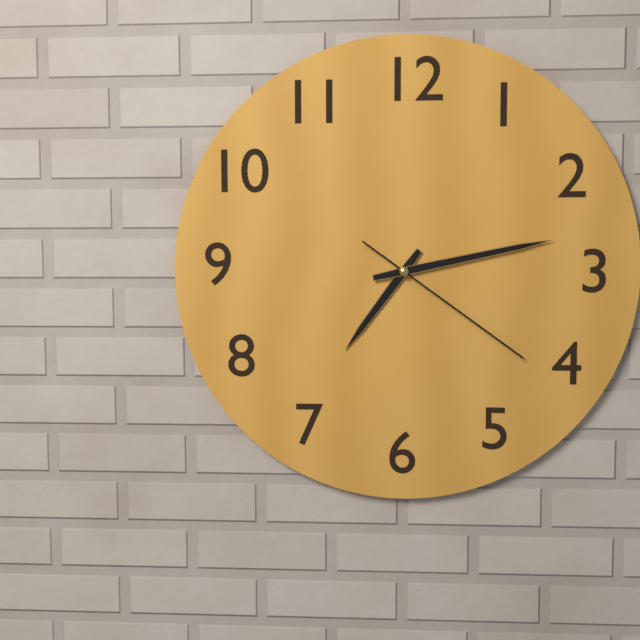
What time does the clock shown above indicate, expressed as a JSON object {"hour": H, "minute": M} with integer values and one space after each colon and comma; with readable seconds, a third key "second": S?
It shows {"hour": 7, "minute": 13, "second": 21}
